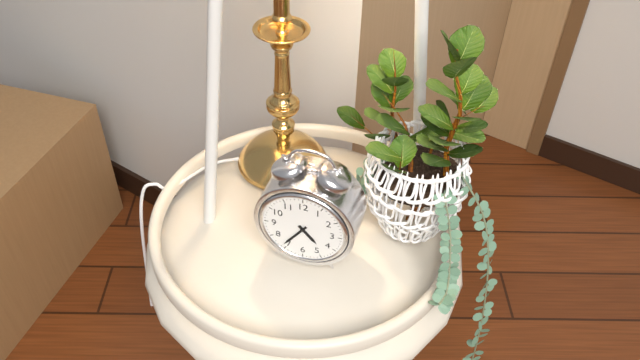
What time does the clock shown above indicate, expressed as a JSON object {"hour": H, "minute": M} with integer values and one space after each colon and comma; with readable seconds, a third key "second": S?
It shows {"hour": 4, "minute": 36}
